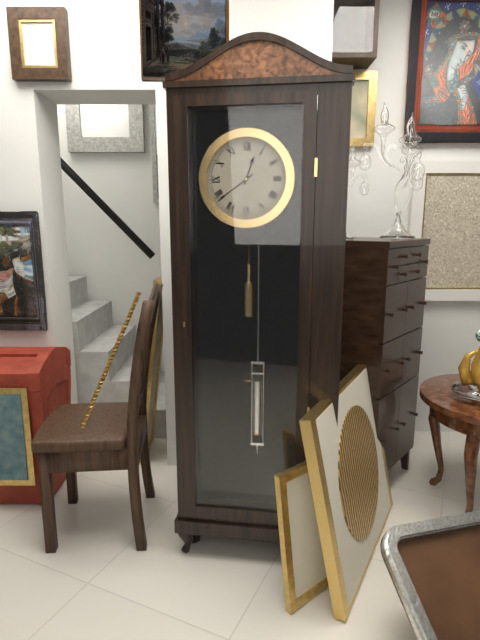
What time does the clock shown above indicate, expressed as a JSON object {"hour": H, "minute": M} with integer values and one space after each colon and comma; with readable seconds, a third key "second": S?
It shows {"hour": 12, "minute": 39}
